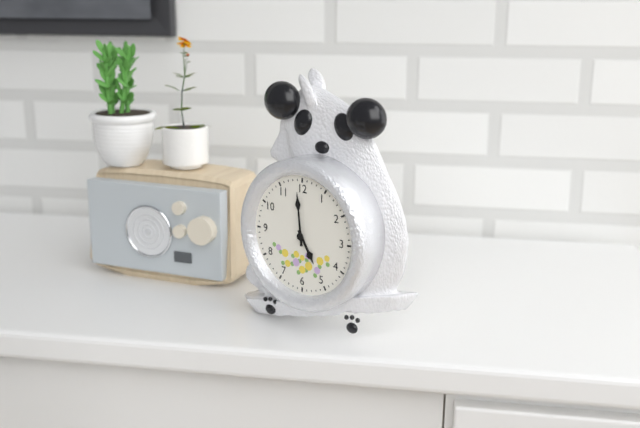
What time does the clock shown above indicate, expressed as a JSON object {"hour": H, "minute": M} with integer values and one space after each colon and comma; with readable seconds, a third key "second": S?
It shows {"hour": 4, "minute": 59}
